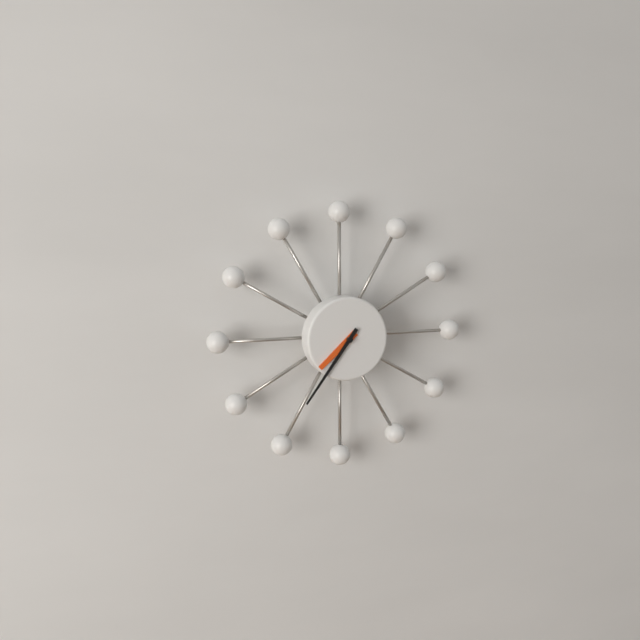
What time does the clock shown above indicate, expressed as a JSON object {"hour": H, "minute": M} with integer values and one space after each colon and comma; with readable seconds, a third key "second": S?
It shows {"hour": 7, "minute": 36}
